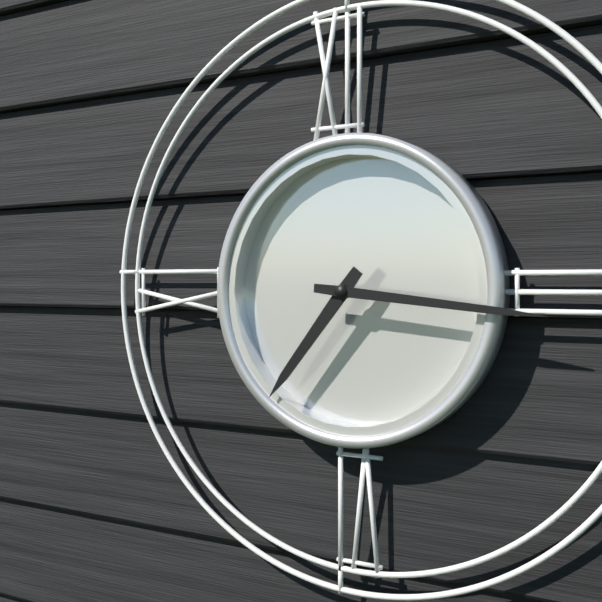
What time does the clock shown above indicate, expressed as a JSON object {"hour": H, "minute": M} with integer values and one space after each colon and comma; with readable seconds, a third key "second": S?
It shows {"hour": 7, "minute": 16}
